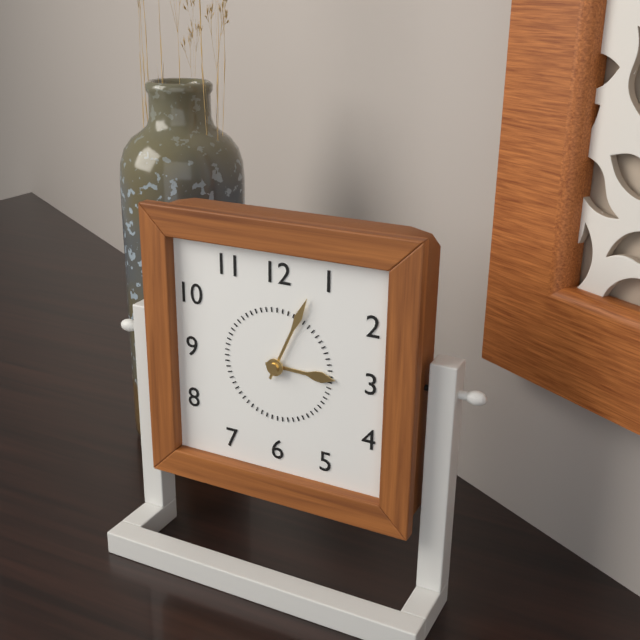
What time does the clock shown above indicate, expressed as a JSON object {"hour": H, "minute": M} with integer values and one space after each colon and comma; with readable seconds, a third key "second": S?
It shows {"hour": 3, "minute": 4}
